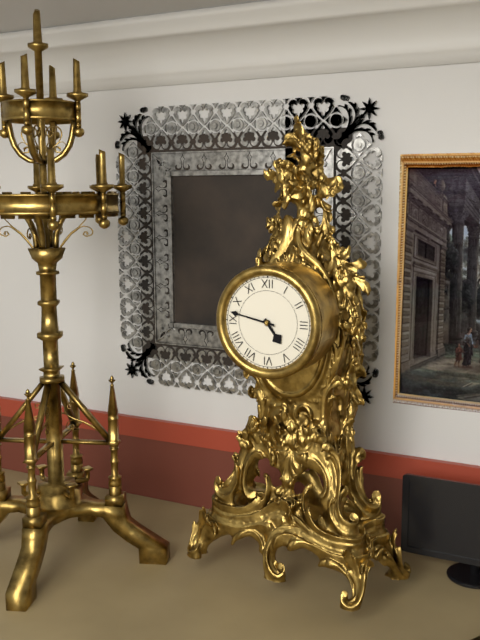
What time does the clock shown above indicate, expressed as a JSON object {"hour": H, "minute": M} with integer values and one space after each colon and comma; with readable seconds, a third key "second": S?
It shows {"hour": 4, "minute": 47}
